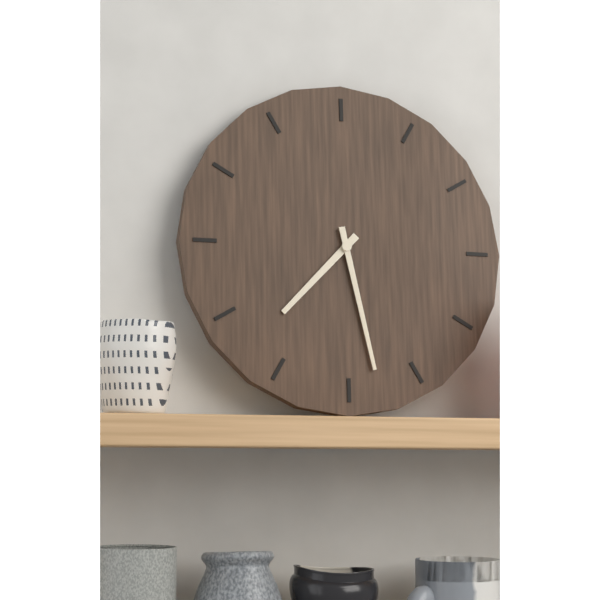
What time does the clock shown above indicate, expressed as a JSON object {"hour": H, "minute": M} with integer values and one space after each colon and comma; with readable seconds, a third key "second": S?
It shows {"hour": 7, "minute": 28}
